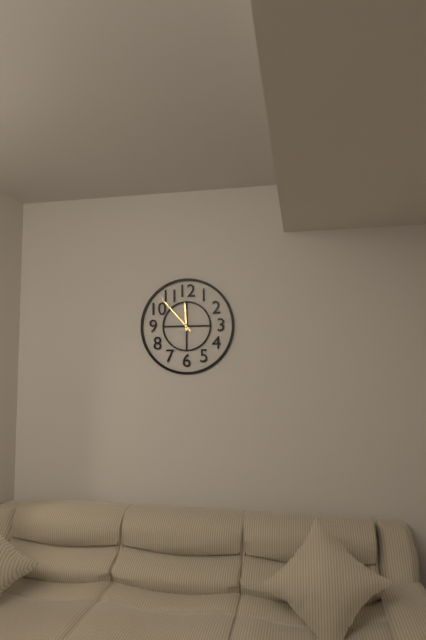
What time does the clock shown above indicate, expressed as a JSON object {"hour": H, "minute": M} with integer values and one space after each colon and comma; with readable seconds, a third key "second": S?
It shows {"hour": 11, "minute": 53}
